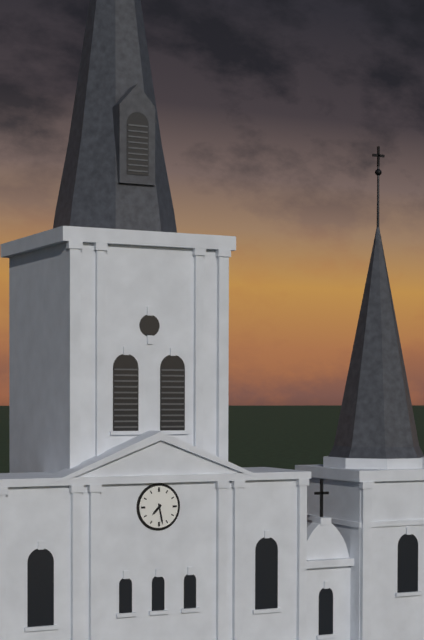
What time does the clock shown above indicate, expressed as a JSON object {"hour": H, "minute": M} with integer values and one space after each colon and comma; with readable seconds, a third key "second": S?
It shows {"hour": 7, "minute": 28}
